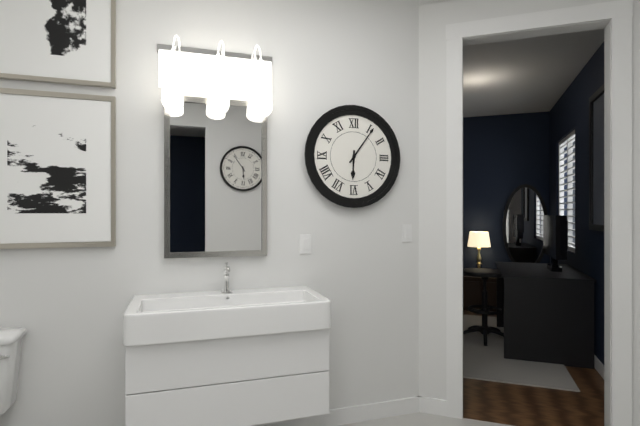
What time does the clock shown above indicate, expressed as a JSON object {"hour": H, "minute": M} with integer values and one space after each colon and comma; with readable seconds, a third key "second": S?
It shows {"hour": 6, "minute": 6}
